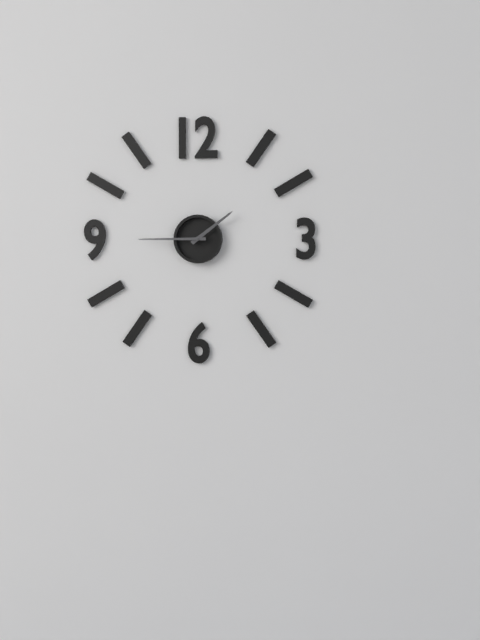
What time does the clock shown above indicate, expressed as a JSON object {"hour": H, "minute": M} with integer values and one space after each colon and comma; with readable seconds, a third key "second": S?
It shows {"hour": 1, "minute": 45}
